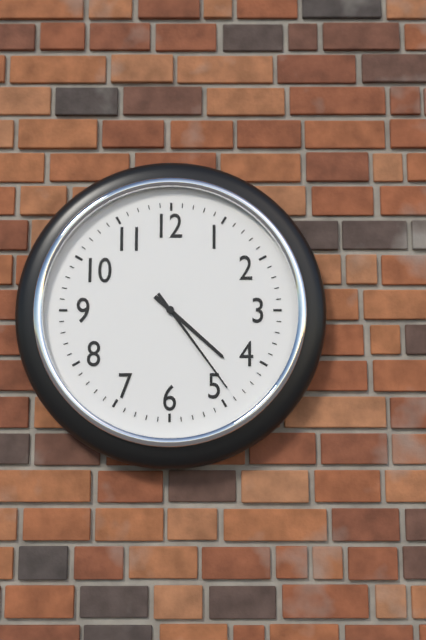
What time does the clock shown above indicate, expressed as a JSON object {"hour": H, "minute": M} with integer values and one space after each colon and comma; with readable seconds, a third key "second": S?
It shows {"hour": 4, "minute": 24}
